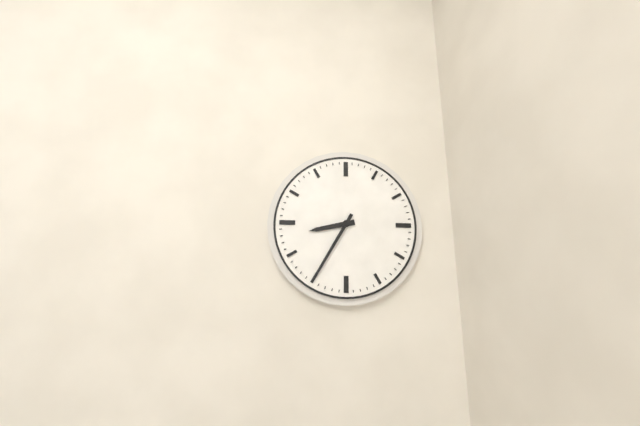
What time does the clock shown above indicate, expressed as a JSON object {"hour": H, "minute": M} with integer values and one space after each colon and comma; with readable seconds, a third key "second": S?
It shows {"hour": 8, "minute": 35}
